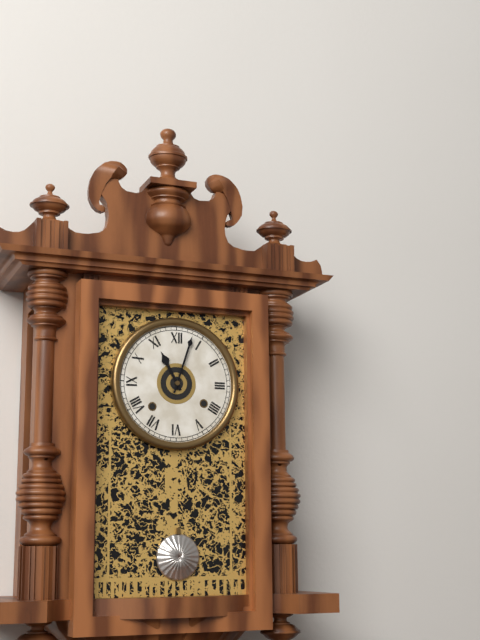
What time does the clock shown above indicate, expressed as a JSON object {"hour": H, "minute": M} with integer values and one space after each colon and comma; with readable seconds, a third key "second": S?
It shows {"hour": 11, "minute": 3}
